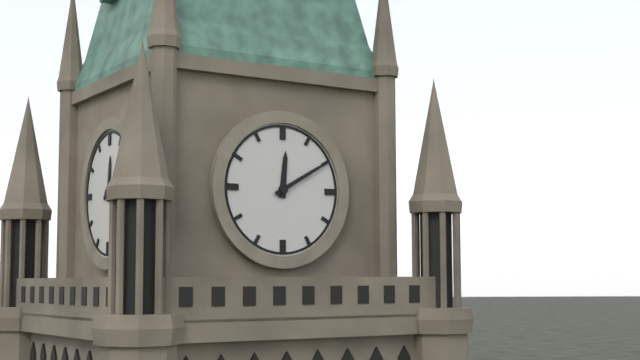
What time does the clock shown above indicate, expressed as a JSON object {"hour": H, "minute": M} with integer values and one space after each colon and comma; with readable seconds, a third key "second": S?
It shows {"hour": 12, "minute": 10}
